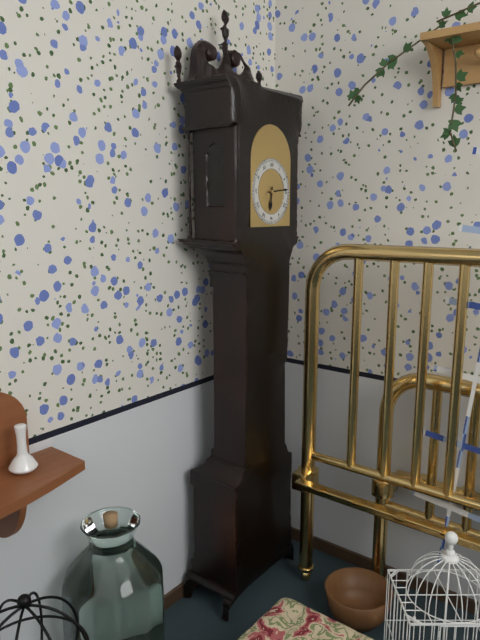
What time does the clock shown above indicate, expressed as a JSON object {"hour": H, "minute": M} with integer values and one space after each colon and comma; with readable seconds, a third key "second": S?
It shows {"hour": 6, "minute": 14}
